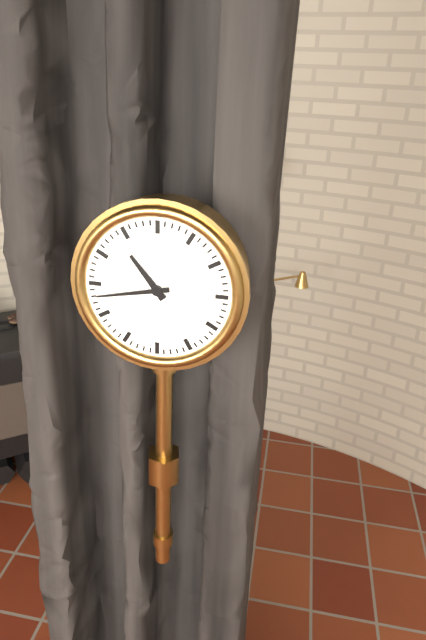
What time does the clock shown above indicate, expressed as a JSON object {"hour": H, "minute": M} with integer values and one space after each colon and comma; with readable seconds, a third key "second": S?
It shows {"hour": 10, "minute": 43}
